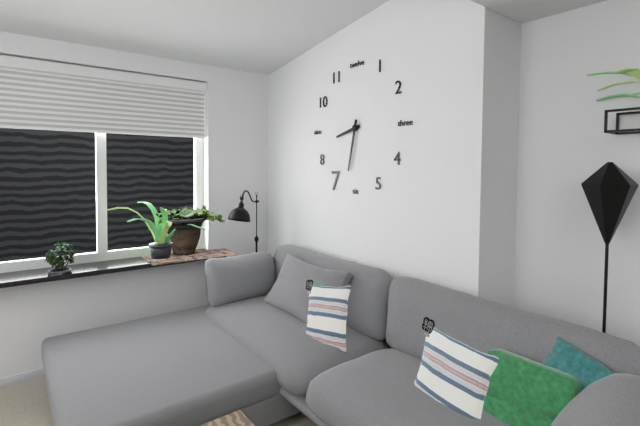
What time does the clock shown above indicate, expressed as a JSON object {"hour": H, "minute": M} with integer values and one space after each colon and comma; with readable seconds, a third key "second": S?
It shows {"hour": 8, "minute": 32}
